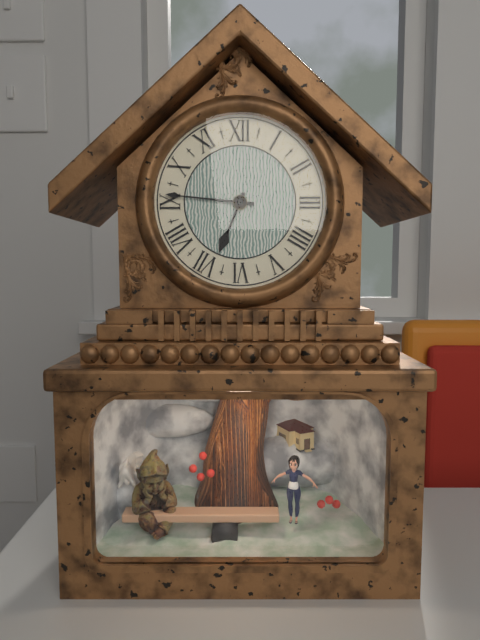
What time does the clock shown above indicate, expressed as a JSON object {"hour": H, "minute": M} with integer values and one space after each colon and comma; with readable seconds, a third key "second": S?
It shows {"hour": 6, "minute": 46}
